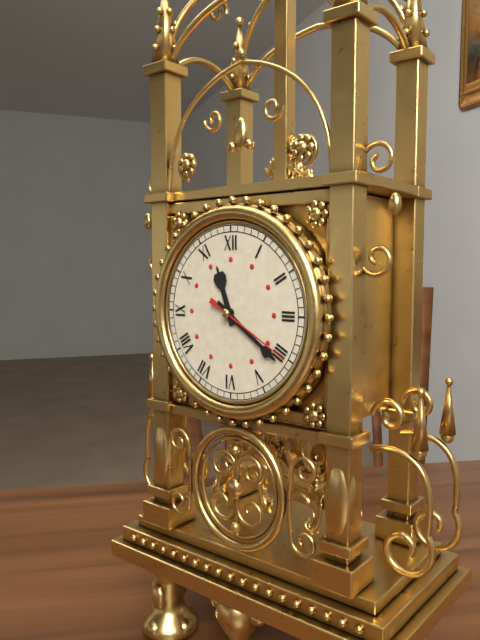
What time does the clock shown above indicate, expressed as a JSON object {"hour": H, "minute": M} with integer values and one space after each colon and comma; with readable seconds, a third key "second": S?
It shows {"hour": 11, "minute": 21, "second": 20}
